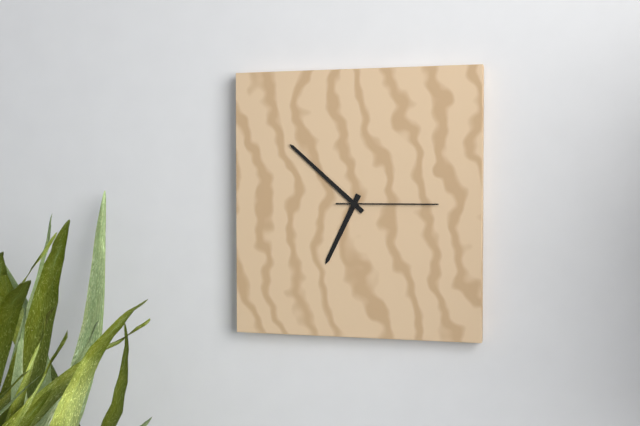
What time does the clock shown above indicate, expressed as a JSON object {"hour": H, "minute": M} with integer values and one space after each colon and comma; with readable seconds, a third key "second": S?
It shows {"hour": 6, "minute": 52, "second": 15}
